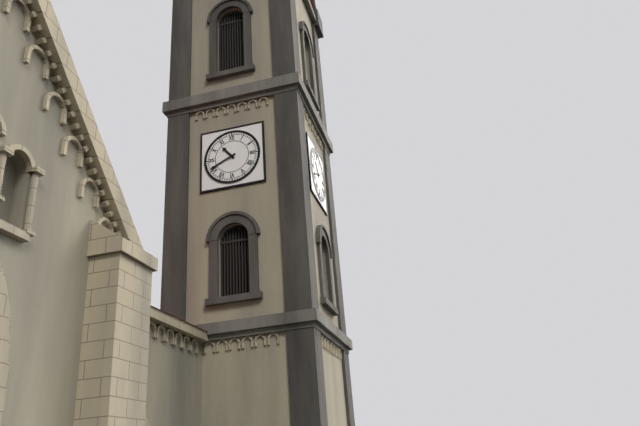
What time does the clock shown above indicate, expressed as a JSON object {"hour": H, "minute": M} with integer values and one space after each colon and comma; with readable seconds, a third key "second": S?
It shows {"hour": 10, "minute": 41}
